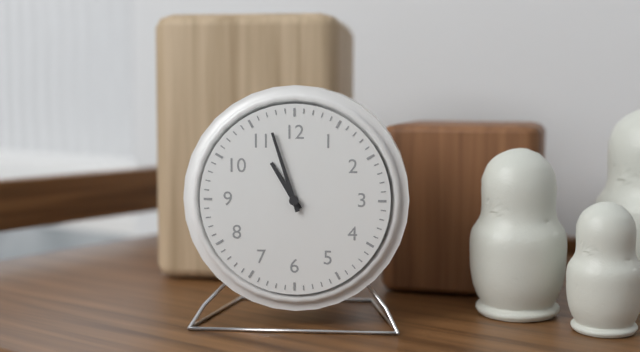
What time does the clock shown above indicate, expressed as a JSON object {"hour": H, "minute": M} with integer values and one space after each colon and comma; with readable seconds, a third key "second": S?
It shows {"hour": 10, "minute": 57}
